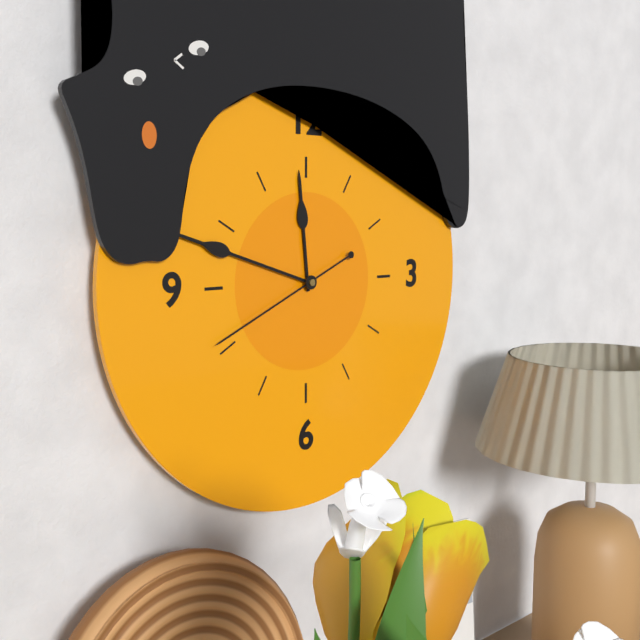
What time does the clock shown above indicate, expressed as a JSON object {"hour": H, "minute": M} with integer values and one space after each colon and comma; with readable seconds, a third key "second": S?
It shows {"hour": 11, "minute": 48, "second": 41}
